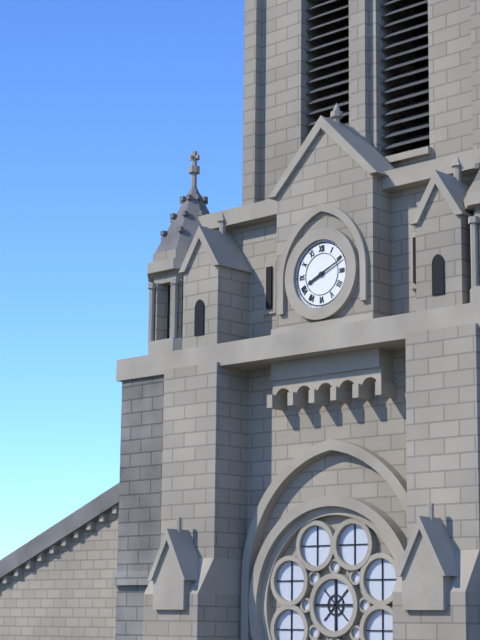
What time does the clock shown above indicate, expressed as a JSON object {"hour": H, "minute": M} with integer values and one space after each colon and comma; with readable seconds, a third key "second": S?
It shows {"hour": 8, "minute": 11}
